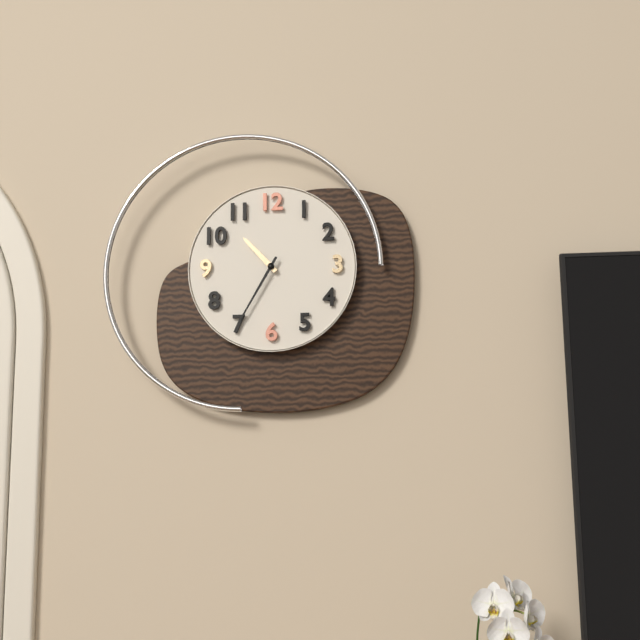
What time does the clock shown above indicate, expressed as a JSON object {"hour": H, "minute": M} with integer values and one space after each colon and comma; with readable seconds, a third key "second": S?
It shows {"hour": 10, "minute": 35}
